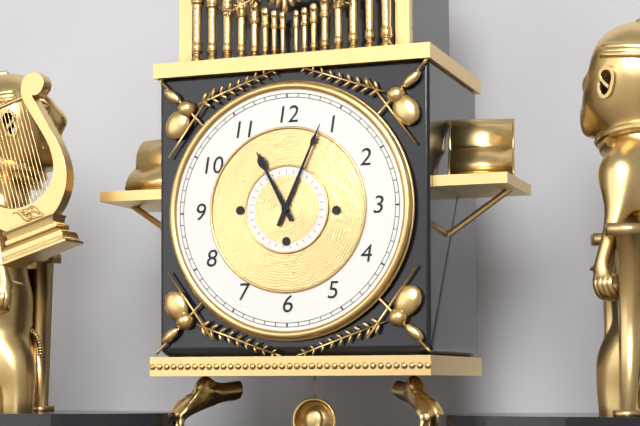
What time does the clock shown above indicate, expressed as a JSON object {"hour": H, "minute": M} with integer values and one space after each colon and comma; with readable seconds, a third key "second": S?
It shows {"hour": 11, "minute": 4}
